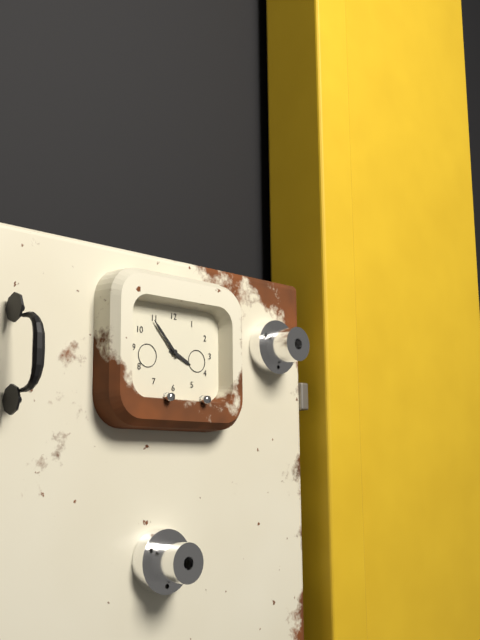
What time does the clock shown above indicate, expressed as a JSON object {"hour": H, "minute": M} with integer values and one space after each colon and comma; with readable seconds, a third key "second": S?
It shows {"hour": 3, "minute": 53}
